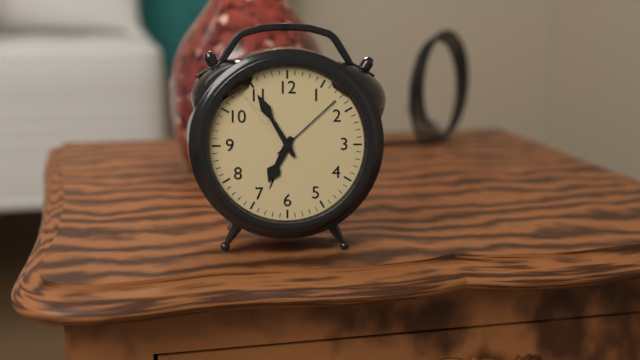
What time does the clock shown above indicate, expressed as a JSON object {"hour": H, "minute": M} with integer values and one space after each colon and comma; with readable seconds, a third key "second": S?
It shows {"hour": 6, "minute": 55}
